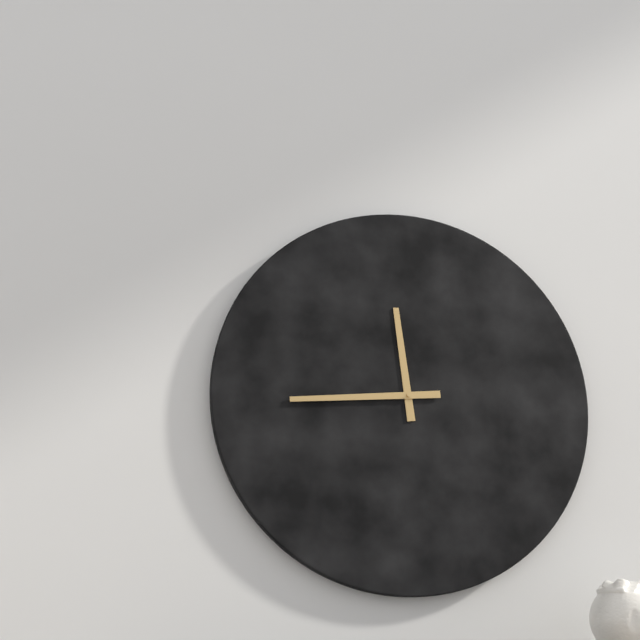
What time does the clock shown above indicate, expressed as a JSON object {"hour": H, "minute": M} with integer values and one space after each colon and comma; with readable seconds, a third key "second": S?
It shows {"hour": 11, "minute": 44}
